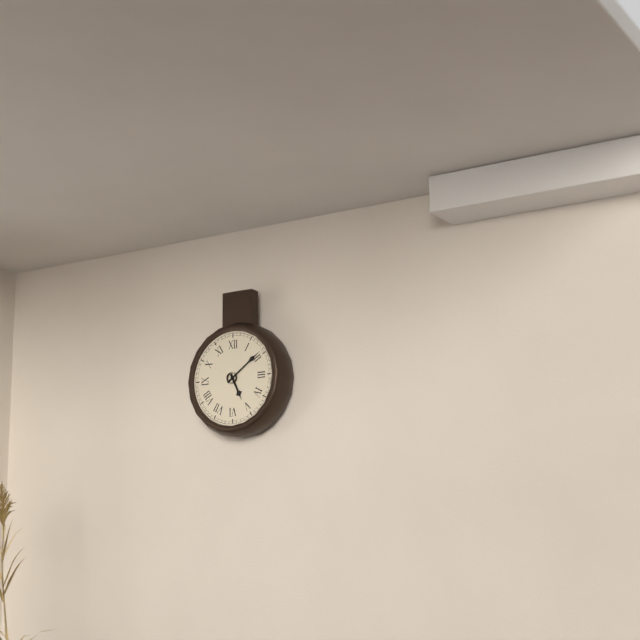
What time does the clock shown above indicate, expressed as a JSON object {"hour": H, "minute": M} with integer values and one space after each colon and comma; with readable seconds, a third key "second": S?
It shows {"hour": 5, "minute": 9}
